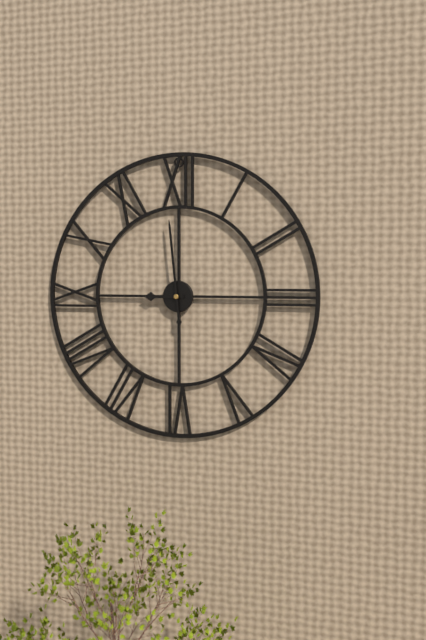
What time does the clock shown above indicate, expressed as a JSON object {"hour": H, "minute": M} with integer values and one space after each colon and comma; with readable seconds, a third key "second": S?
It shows {"hour": 8, "minute": 59}
